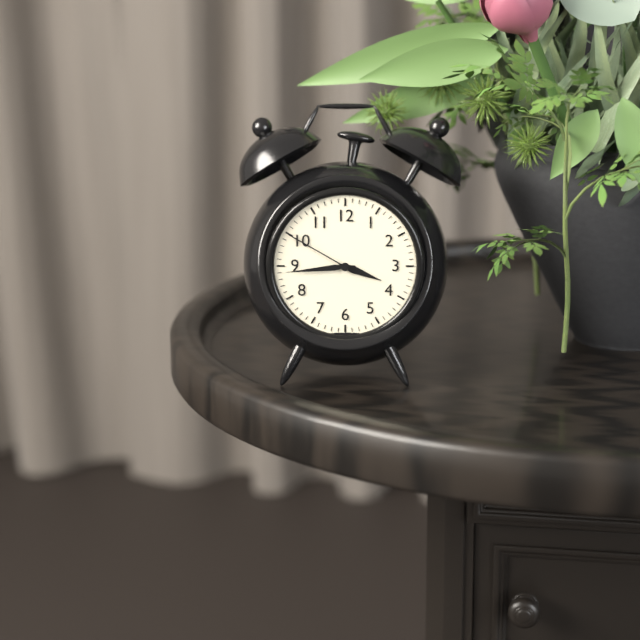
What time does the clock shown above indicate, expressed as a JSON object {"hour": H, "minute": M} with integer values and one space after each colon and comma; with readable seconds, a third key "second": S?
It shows {"hour": 3, "minute": 44, "second": 50}
